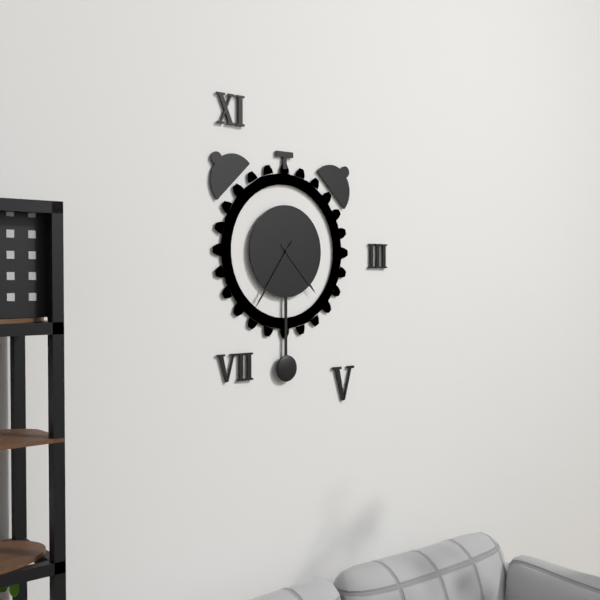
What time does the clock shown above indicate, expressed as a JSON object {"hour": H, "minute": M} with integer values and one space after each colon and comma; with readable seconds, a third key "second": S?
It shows {"hour": 4, "minute": 36}
